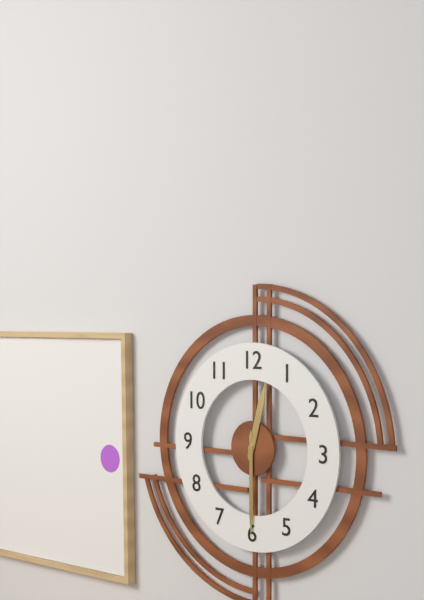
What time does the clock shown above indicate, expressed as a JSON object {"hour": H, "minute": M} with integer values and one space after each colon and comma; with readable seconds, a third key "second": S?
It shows {"hour": 12, "minute": 30}
